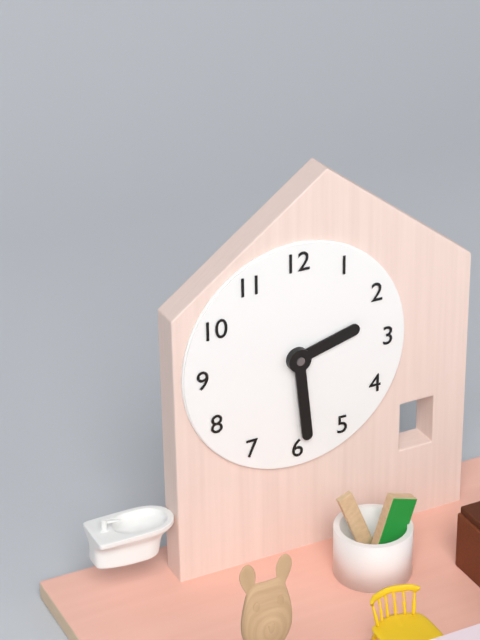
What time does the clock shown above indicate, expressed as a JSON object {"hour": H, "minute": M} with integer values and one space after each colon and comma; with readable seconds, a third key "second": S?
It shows {"hour": 2, "minute": 29}
